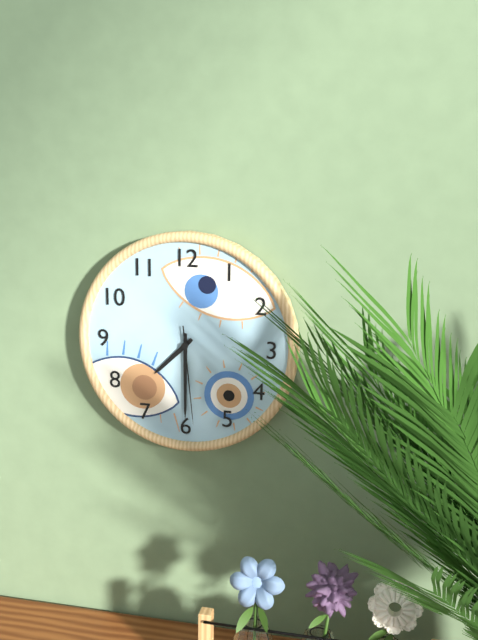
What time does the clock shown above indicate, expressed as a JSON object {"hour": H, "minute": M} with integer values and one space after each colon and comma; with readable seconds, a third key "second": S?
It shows {"hour": 7, "minute": 30, "second": 29}
